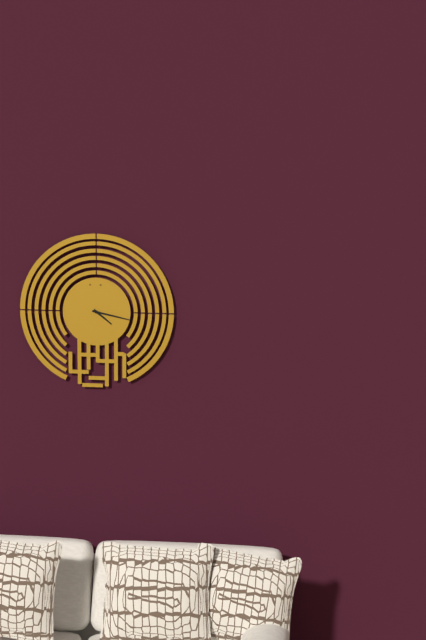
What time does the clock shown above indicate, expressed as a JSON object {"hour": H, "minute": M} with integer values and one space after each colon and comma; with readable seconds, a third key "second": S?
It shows {"hour": 4, "minute": 17}
